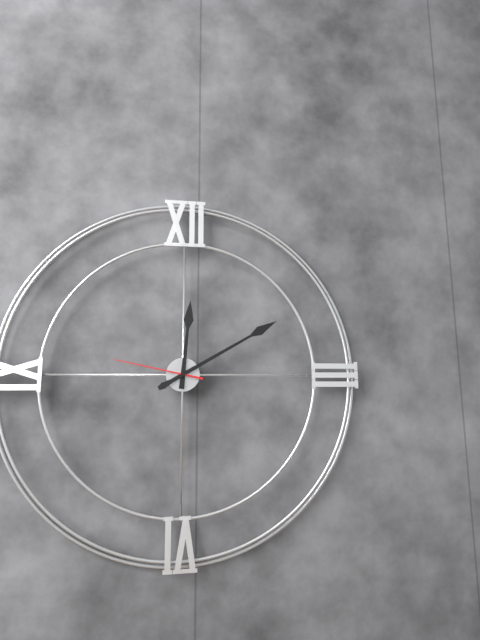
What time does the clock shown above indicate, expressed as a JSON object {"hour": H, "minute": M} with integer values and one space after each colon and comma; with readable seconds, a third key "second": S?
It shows {"hour": 12, "minute": 10, "second": 47}
